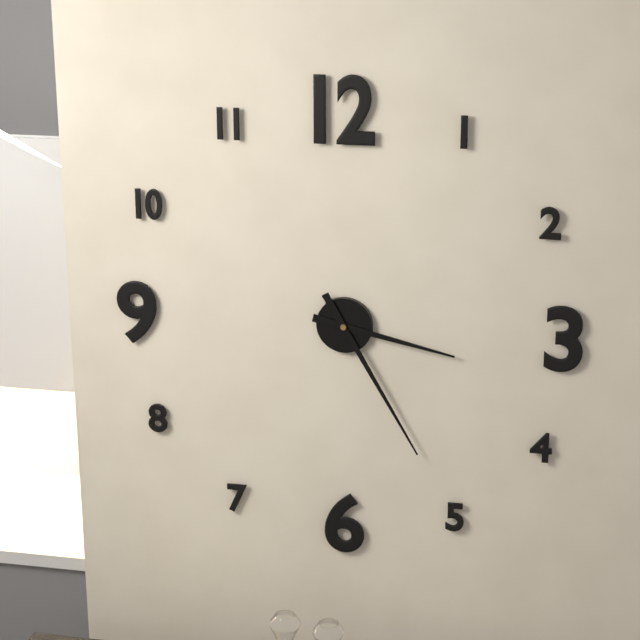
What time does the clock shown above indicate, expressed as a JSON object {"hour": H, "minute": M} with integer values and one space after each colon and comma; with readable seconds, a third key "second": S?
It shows {"hour": 3, "minute": 25}
